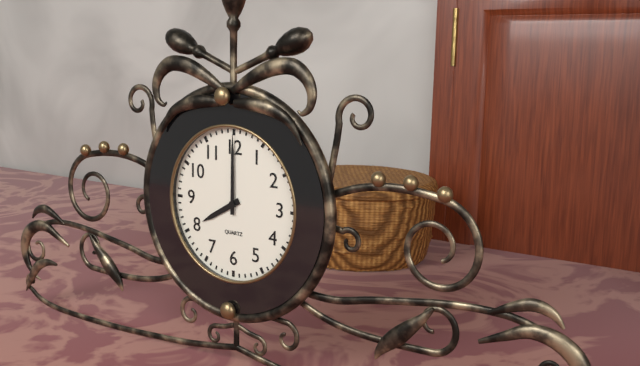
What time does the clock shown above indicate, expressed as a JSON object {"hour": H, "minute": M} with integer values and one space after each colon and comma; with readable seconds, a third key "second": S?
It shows {"hour": 8, "minute": 0}
